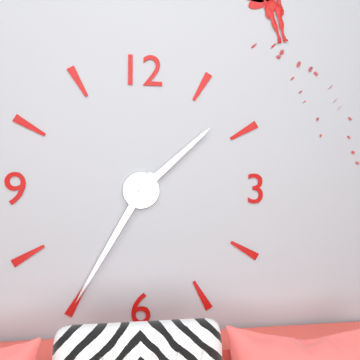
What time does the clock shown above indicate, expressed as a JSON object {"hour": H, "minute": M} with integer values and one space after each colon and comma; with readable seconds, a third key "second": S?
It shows {"hour": 1, "minute": 35}
